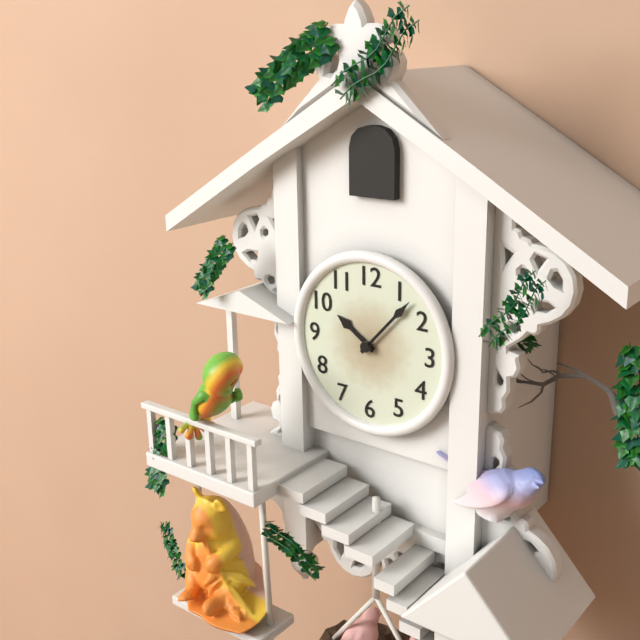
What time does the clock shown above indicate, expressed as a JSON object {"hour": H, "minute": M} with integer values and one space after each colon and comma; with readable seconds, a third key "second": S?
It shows {"hour": 10, "minute": 7}
